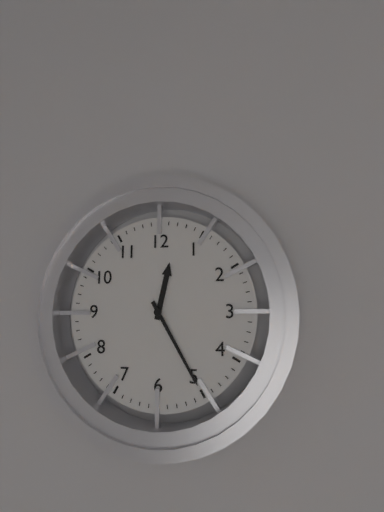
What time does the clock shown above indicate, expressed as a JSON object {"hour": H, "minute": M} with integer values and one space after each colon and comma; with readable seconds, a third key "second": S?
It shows {"hour": 12, "minute": 25}
